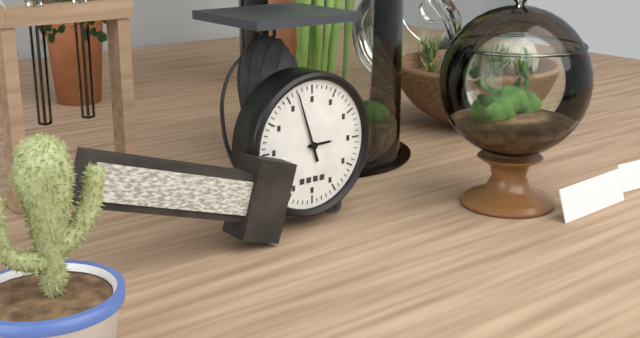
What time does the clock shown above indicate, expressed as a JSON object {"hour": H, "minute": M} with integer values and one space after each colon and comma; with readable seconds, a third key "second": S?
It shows {"hour": 2, "minute": 57}
